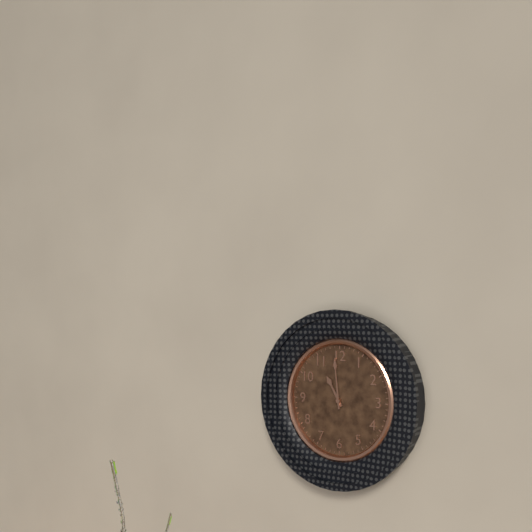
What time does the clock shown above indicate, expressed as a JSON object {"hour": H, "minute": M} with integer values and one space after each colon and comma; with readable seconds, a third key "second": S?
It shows {"hour": 10, "minute": 59}
